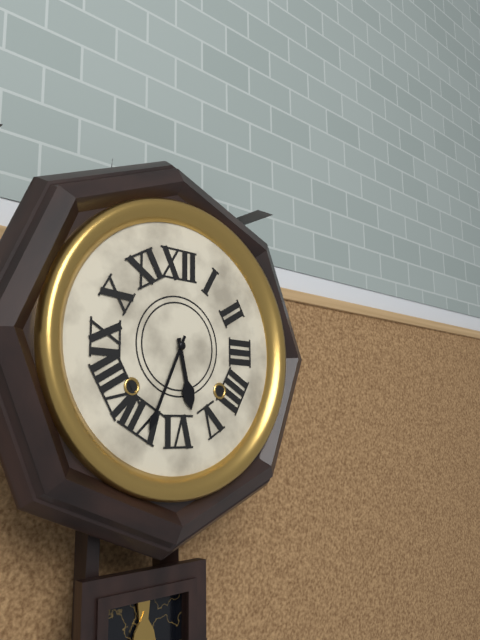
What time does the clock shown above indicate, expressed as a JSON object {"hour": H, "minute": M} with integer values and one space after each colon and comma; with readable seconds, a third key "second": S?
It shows {"hour": 5, "minute": 34}
